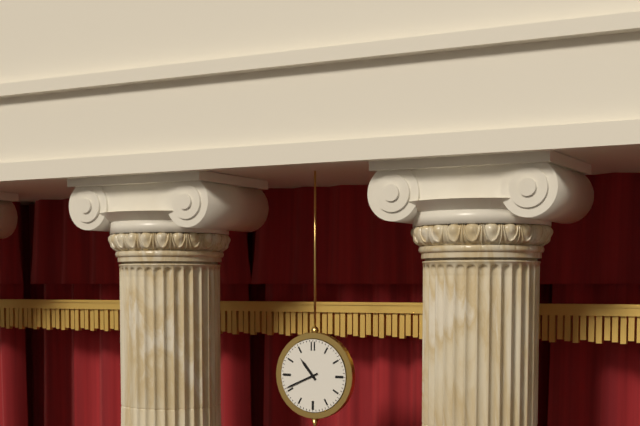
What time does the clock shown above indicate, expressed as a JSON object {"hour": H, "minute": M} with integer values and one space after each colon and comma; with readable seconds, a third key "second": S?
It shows {"hour": 10, "minute": 41}
